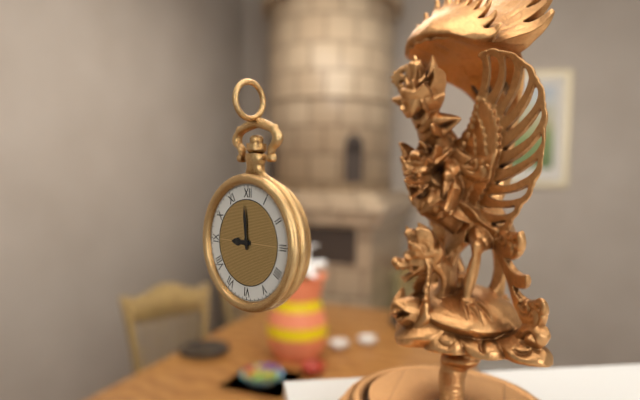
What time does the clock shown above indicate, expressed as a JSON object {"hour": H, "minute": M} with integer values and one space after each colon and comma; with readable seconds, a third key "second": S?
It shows {"hour": 8, "minute": 59}
